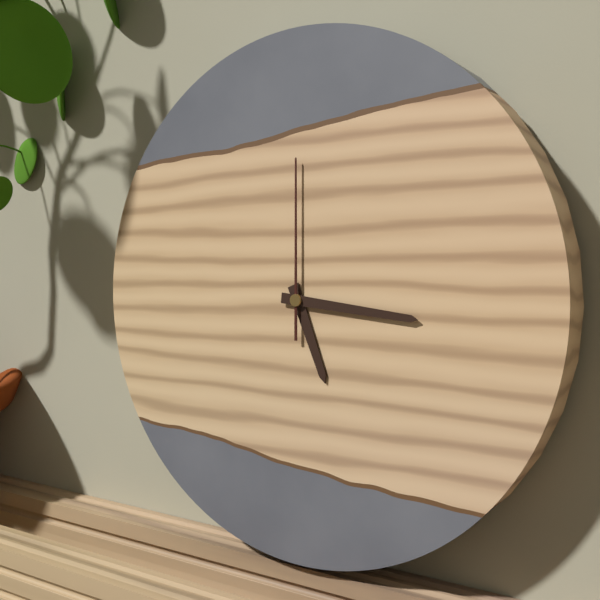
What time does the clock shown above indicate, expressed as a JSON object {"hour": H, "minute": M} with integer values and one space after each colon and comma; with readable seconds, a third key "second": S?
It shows {"hour": 5, "minute": 16, "second": 0}
